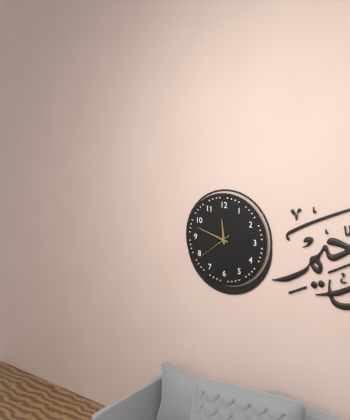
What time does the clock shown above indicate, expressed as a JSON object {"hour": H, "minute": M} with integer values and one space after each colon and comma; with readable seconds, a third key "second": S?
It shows {"hour": 11, "minute": 48}
